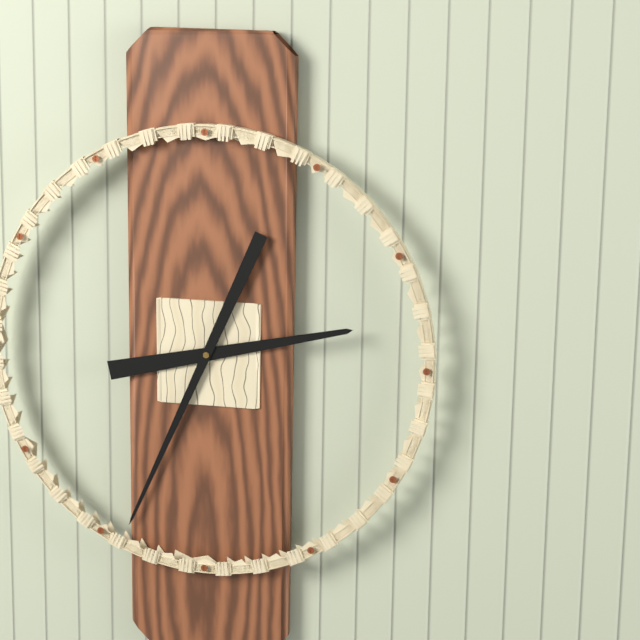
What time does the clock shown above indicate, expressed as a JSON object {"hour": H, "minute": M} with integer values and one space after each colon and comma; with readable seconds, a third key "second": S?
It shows {"hour": 2, "minute": 34}
